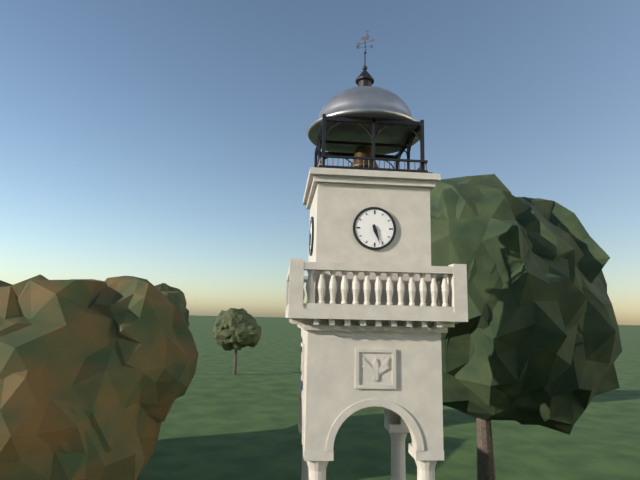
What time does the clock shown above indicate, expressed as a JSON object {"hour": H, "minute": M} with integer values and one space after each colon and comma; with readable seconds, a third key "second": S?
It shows {"hour": 5, "minute": 27}
